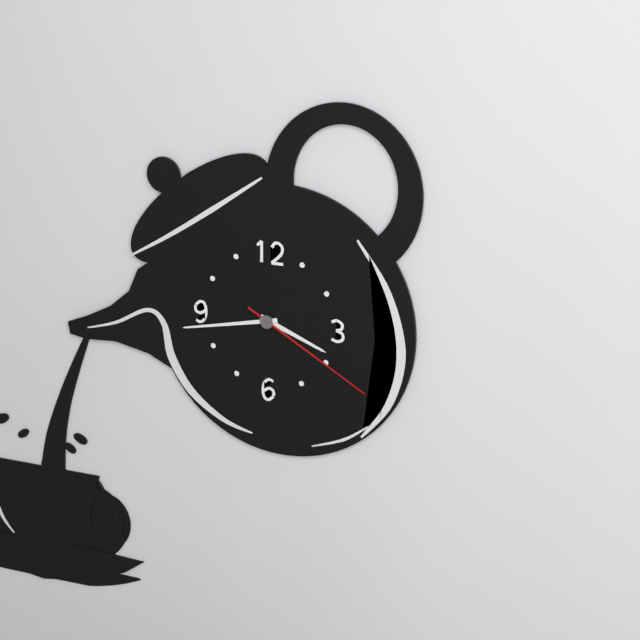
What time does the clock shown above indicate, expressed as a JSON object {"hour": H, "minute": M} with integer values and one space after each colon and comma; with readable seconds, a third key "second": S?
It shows {"hour": 3, "minute": 43, "second": 20}
